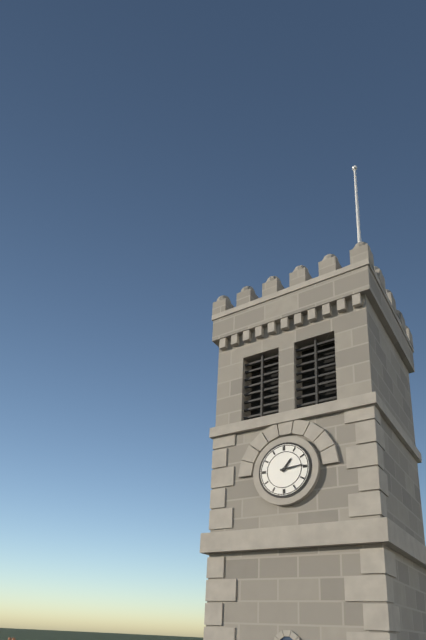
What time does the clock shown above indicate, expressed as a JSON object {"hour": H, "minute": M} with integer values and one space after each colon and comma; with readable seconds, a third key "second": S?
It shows {"hour": 1, "minute": 14}
